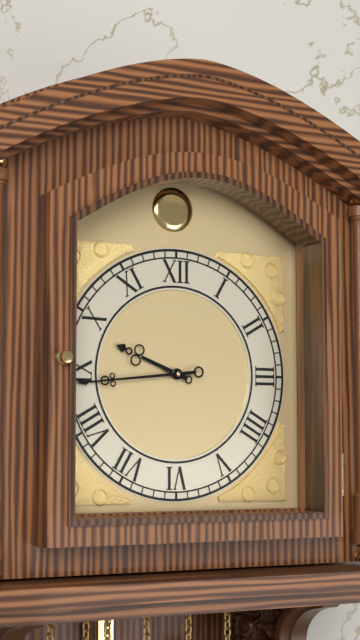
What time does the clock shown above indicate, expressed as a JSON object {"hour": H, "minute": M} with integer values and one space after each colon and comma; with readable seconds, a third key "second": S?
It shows {"hour": 9, "minute": 44}
